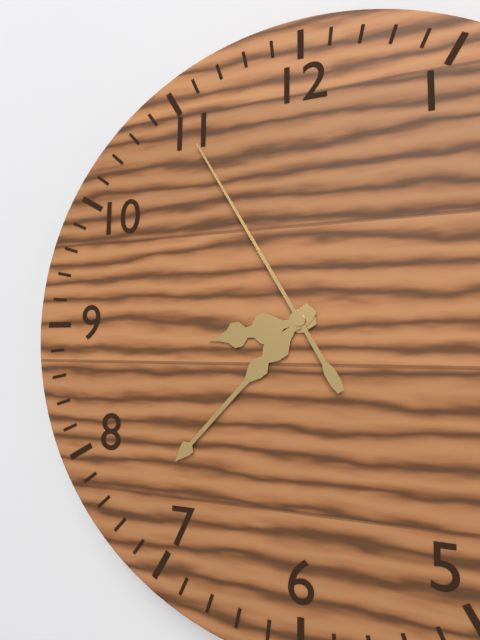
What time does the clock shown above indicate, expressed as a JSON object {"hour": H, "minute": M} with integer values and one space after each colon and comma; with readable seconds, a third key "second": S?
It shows {"hour": 8, "minute": 37, "second": 55}
